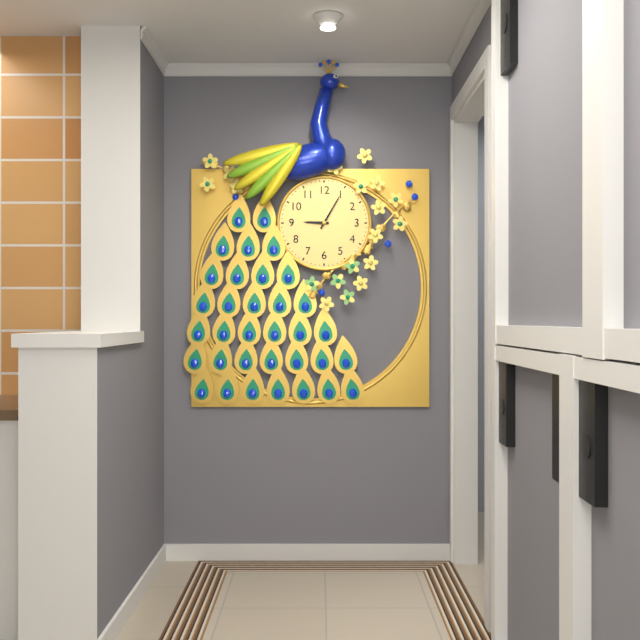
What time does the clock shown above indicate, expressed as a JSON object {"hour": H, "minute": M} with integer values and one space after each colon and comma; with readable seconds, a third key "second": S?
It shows {"hour": 9, "minute": 5}
